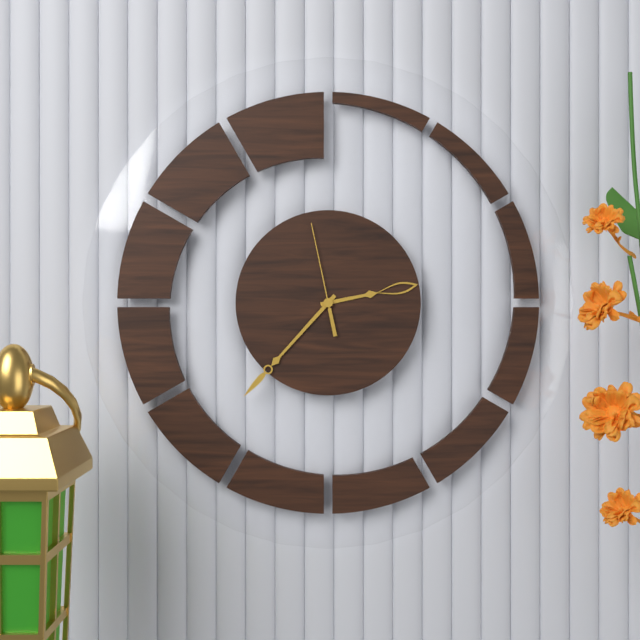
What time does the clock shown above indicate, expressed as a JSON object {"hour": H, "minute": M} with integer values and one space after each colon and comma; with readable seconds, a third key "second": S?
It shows {"hour": 2, "minute": 37, "second": 58}
